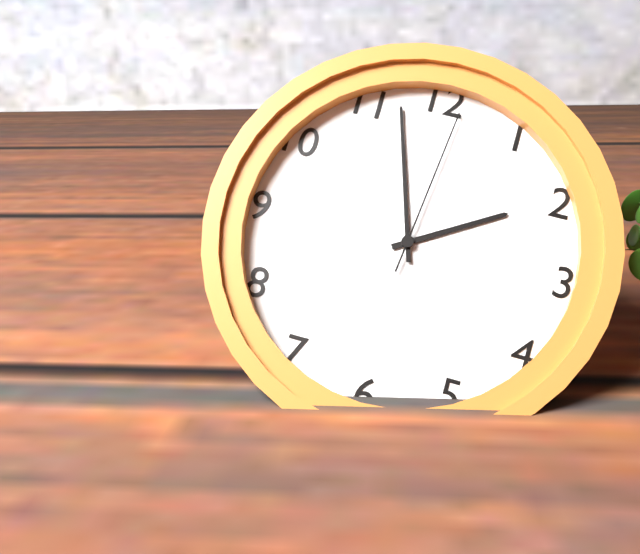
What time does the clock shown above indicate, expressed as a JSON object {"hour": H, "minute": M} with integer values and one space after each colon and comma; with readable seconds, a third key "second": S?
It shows {"hour": 1, "minute": 57, "second": 1}
